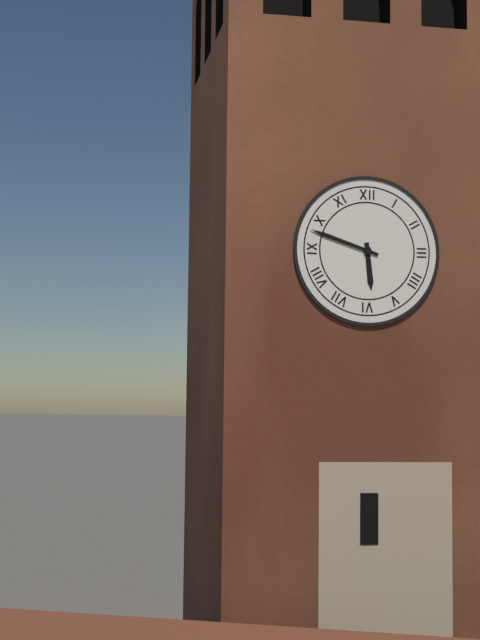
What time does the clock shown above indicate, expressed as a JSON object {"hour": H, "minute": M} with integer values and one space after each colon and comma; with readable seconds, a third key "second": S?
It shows {"hour": 5, "minute": 48}
